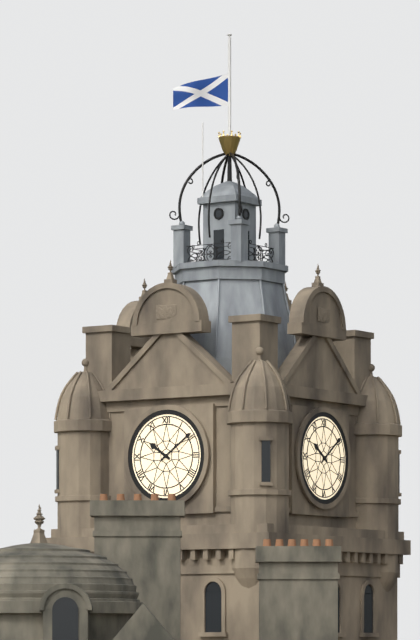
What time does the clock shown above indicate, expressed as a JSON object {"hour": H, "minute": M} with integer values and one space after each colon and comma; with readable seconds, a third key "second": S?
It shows {"hour": 10, "minute": 9}
